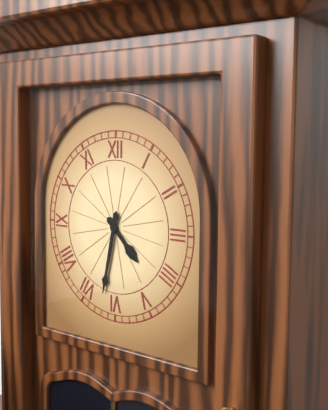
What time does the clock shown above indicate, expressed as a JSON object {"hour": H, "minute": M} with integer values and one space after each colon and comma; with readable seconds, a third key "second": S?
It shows {"hour": 4, "minute": 32}
